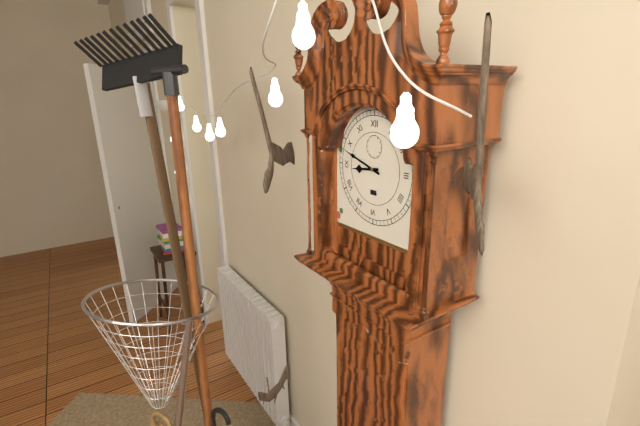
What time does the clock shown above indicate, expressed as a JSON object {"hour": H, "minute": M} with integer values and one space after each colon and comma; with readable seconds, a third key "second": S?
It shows {"hour": 8, "minute": 48}
